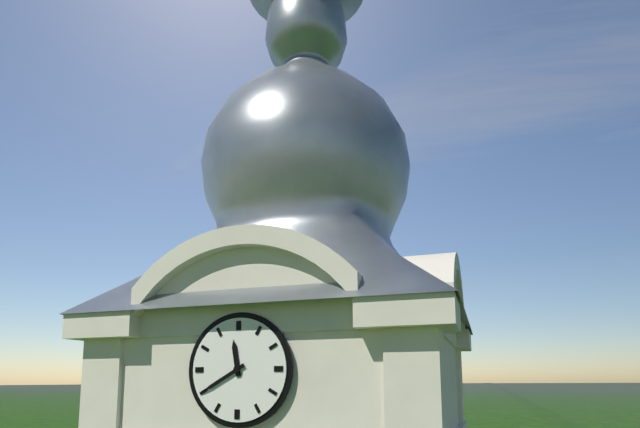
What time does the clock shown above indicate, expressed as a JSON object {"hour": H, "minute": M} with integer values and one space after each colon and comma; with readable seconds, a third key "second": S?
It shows {"hour": 11, "minute": 40}
